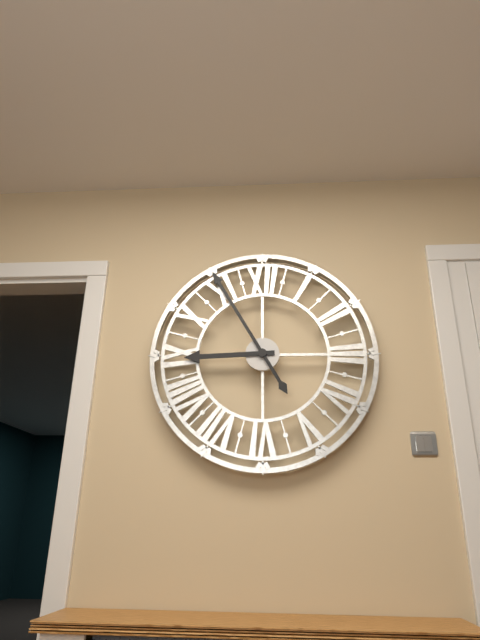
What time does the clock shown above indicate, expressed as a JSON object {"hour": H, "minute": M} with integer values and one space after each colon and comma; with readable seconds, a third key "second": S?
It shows {"hour": 8, "minute": 55}
